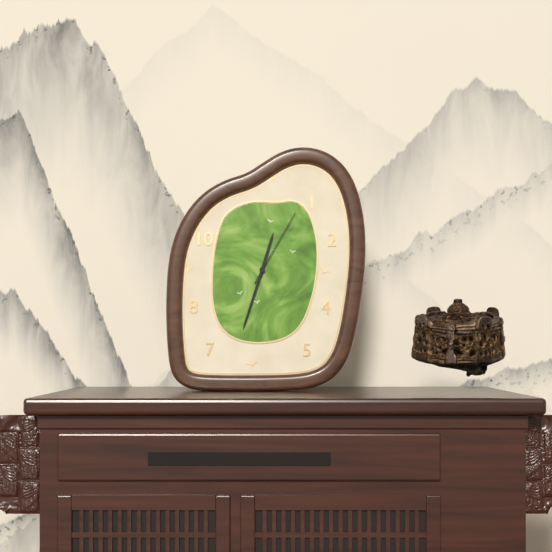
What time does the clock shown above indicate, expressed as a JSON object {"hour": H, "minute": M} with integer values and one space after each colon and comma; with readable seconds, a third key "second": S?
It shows {"hour": 12, "minute": 33, "second": 5}
